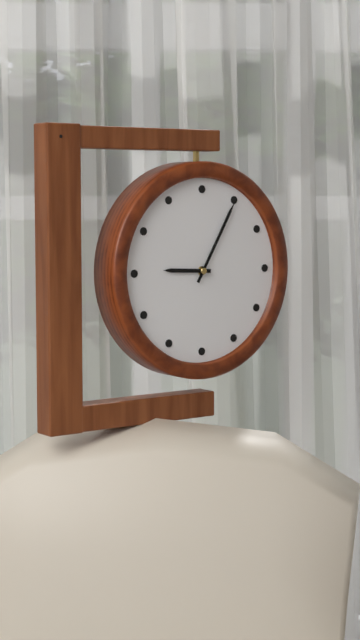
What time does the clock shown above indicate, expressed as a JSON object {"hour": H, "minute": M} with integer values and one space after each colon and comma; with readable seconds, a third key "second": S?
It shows {"hour": 9, "minute": 5}
